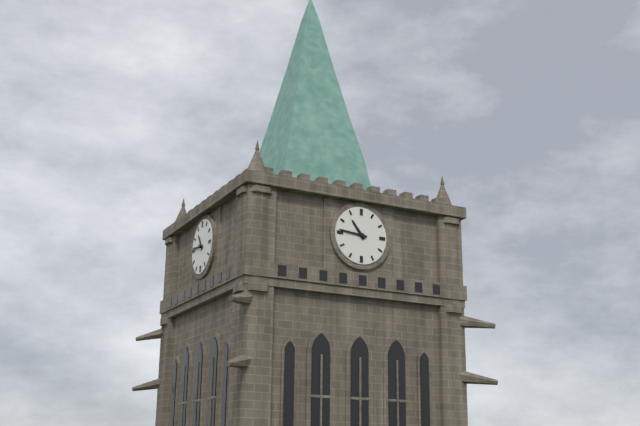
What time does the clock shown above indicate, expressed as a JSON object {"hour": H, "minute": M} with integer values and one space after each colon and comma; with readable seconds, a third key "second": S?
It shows {"hour": 10, "minute": 46}
